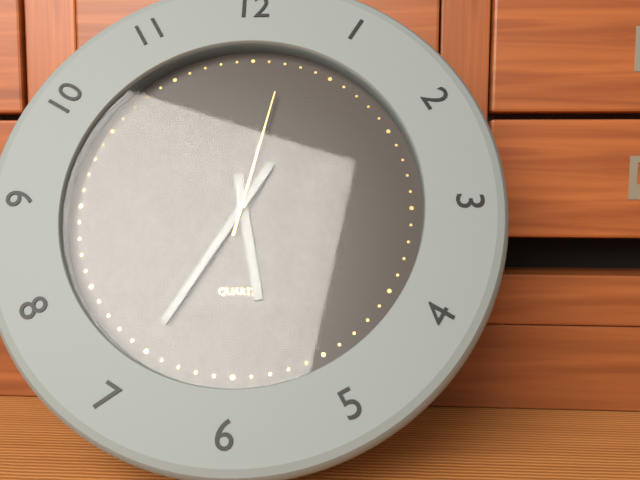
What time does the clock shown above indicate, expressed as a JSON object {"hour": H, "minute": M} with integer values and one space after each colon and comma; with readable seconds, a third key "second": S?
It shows {"hour": 5, "minute": 35, "second": 2}
